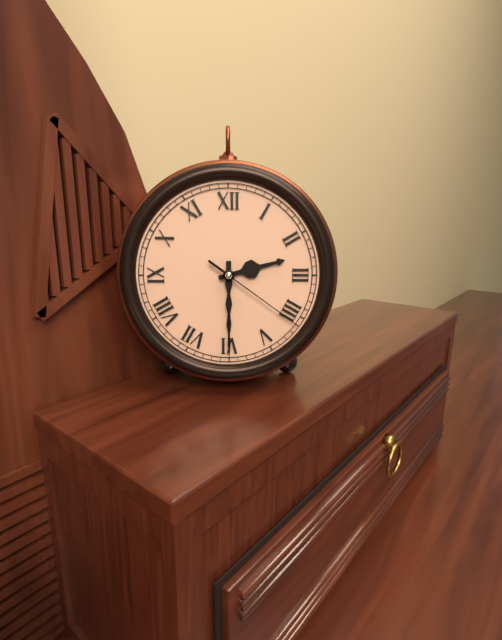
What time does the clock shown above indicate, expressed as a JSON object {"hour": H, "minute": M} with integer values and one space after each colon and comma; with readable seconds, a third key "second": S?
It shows {"hour": 2, "minute": 30, "second": 21}
